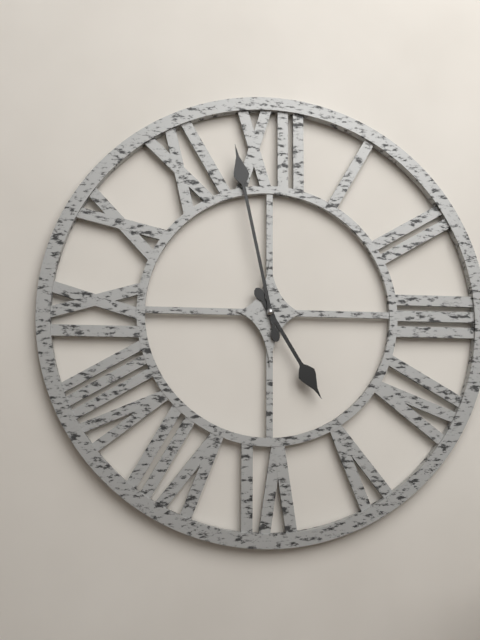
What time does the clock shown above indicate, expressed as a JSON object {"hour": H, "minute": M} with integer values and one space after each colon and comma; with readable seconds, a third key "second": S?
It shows {"hour": 4, "minute": 58}
